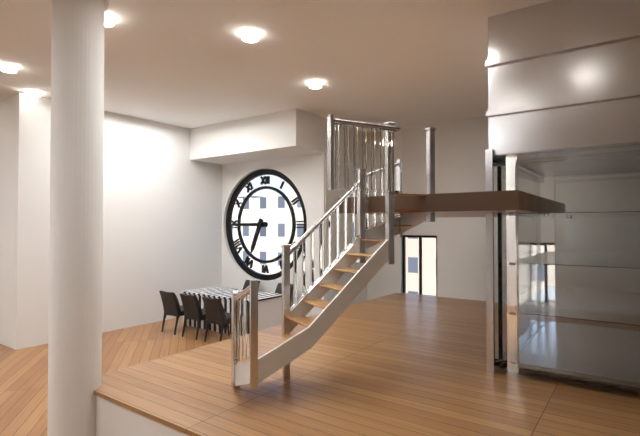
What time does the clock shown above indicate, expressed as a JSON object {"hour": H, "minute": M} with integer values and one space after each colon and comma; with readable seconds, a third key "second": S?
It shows {"hour": 6, "minute": 45}
